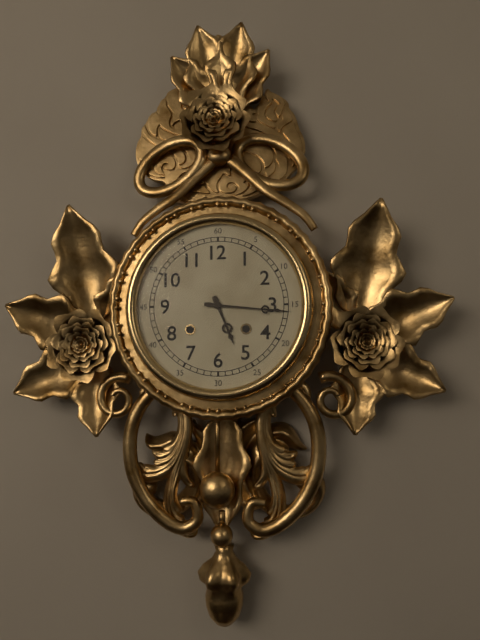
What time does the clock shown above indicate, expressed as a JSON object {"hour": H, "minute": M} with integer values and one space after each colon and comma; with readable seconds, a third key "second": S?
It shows {"hour": 5, "minute": 16}
